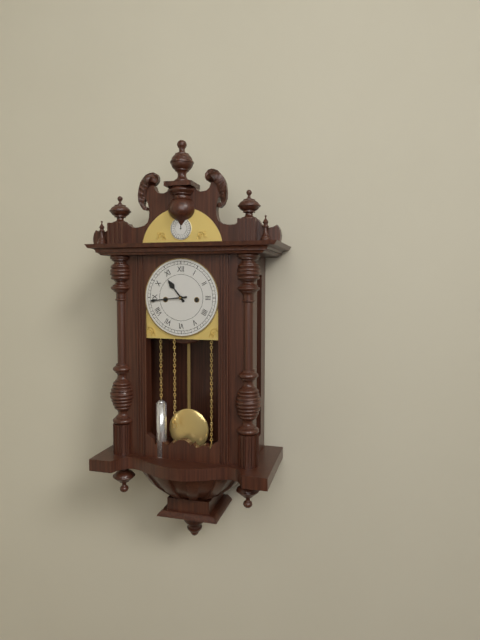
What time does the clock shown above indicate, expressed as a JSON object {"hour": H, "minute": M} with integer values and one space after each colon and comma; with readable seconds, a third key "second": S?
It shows {"hour": 10, "minute": 44}
